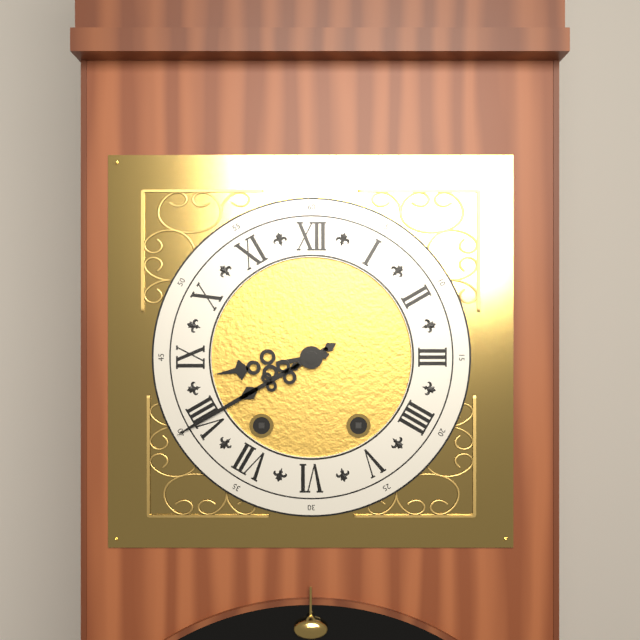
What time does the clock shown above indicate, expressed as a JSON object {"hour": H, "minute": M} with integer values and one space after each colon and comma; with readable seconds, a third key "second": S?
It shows {"hour": 8, "minute": 40}
